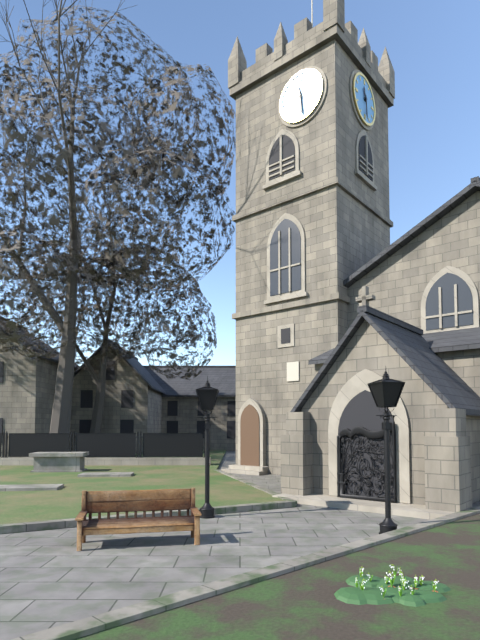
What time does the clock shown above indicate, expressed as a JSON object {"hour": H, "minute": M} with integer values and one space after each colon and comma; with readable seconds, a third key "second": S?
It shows {"hour": 11, "minute": 29}
